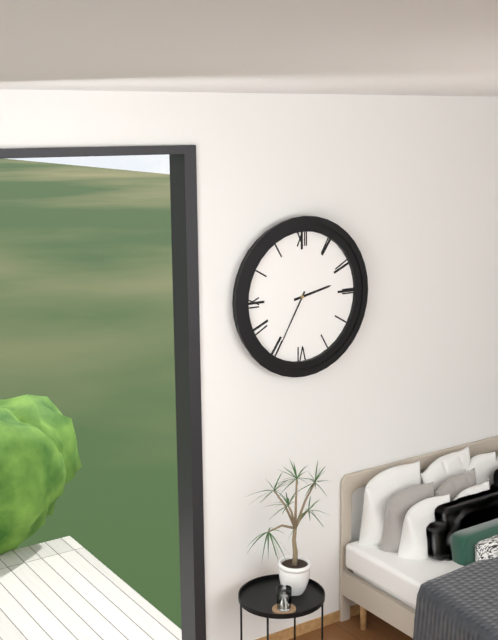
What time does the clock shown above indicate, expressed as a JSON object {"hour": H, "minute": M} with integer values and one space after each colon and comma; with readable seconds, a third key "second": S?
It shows {"hour": 2, "minute": 35}
